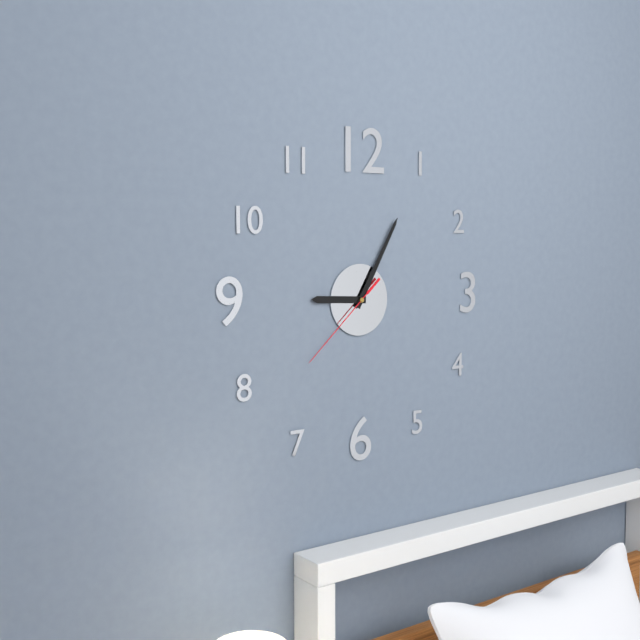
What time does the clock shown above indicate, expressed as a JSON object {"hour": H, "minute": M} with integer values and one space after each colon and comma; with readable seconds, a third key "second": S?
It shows {"hour": 9, "minute": 5, "second": 38}
